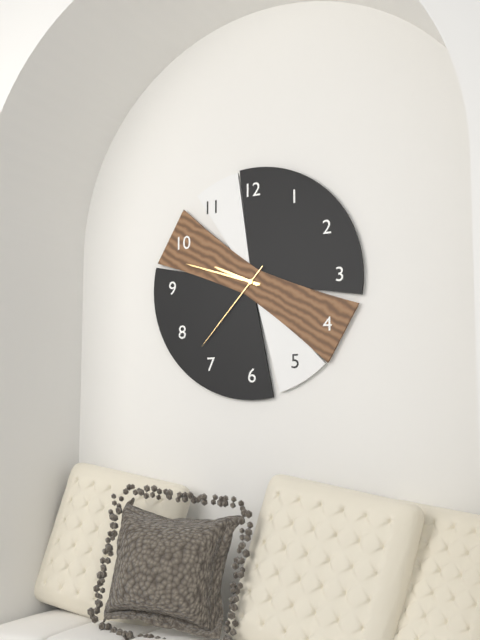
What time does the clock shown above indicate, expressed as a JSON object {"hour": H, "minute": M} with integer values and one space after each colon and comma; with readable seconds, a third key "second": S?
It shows {"hour": 9, "minute": 48, "second": 37}
